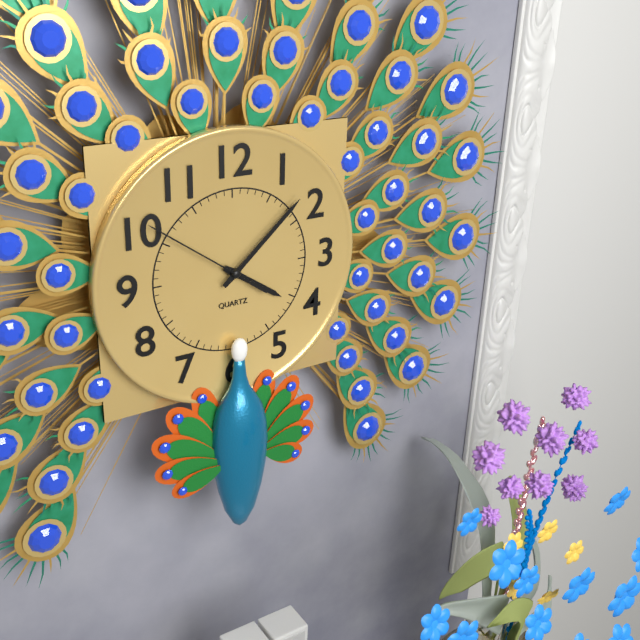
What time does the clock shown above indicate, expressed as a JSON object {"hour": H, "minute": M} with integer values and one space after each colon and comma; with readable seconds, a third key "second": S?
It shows {"hour": 4, "minute": 8, "second": 51}
